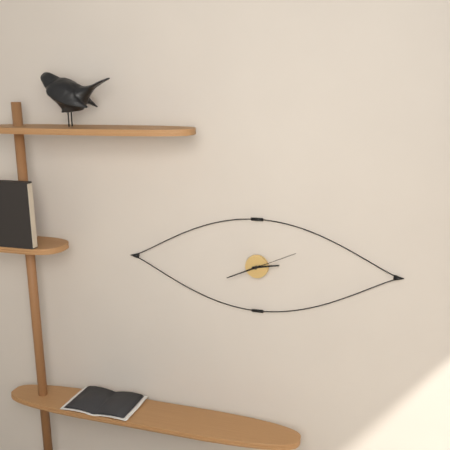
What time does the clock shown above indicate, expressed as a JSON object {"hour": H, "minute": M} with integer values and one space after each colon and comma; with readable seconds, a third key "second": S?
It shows {"hour": 2, "minute": 41}
